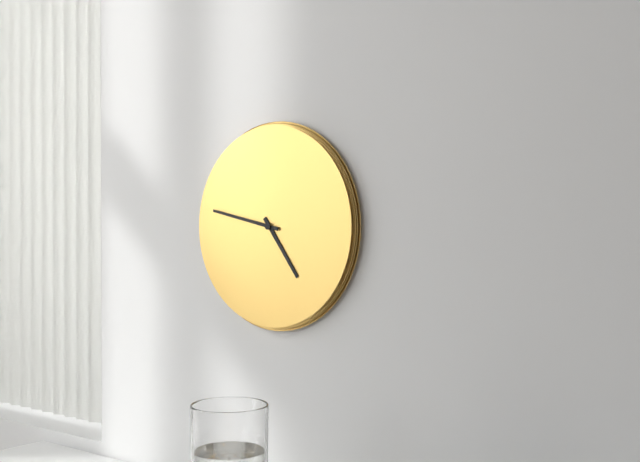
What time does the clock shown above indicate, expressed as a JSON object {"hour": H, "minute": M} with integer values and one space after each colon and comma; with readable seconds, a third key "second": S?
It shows {"hour": 4, "minute": 47}
